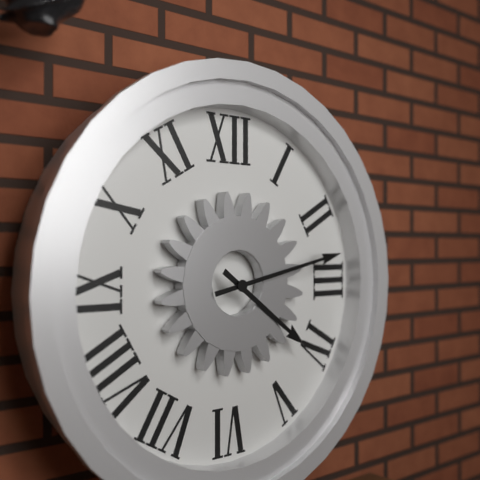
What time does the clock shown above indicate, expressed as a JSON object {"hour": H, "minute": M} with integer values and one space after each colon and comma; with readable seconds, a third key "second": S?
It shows {"hour": 4, "minute": 13}
